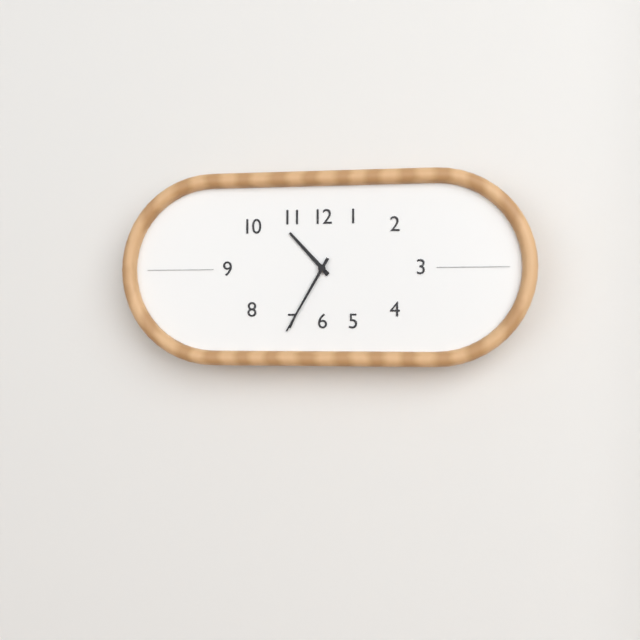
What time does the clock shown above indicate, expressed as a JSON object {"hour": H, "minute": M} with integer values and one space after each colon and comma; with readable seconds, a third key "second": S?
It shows {"hour": 10, "minute": 35}
